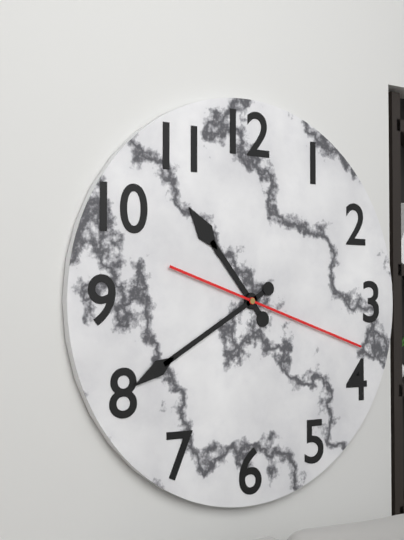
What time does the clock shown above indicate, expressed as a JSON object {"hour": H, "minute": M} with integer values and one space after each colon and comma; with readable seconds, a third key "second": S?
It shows {"hour": 10, "minute": 40, "second": 18}
